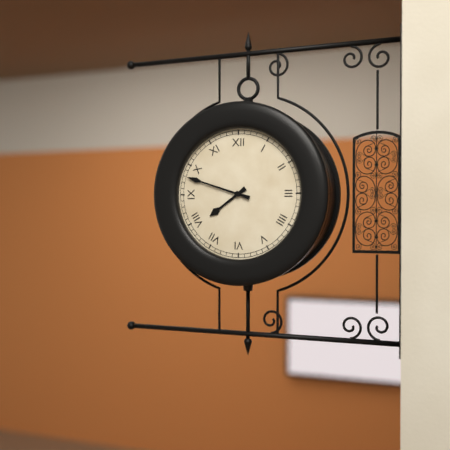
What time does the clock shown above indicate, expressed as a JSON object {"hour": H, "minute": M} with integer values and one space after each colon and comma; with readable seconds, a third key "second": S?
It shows {"hour": 7, "minute": 48}
